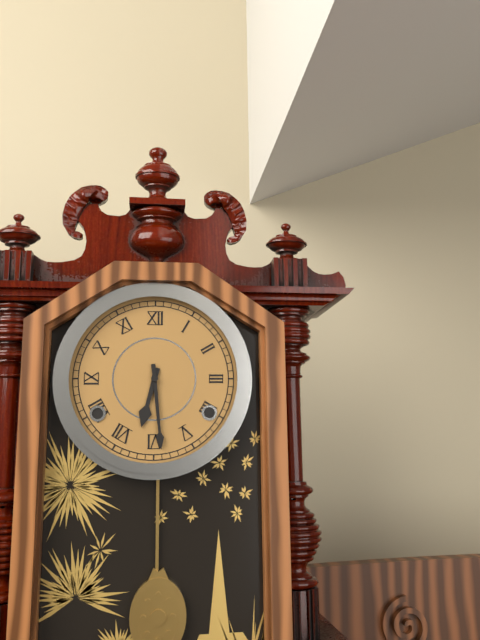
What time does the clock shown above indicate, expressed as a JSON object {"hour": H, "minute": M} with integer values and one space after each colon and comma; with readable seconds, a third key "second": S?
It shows {"hour": 6, "minute": 29}
